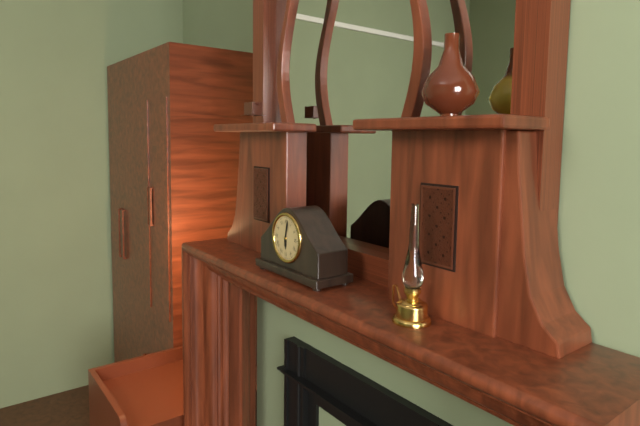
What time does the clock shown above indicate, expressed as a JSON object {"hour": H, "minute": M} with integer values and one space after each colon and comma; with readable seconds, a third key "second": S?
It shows {"hour": 6, "minute": 2}
